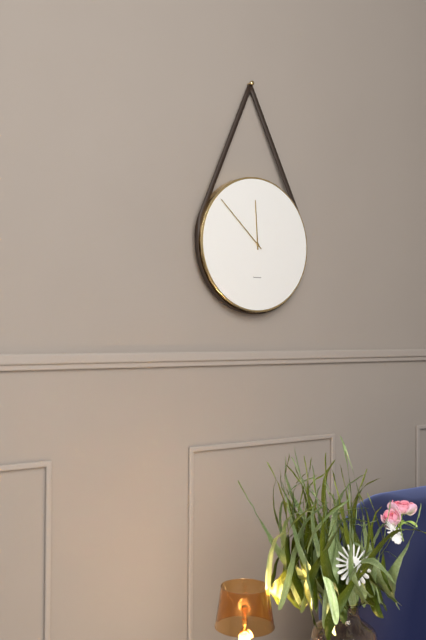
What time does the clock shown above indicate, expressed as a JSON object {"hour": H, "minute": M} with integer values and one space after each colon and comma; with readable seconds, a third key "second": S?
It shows {"hour": 11, "minute": 52}
